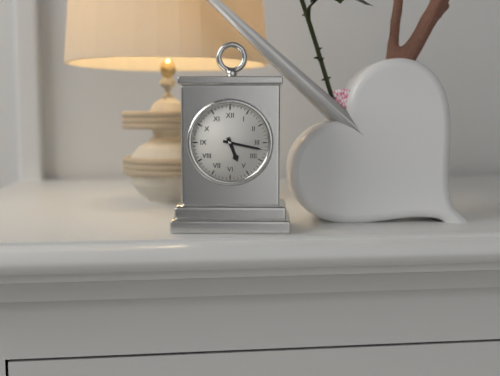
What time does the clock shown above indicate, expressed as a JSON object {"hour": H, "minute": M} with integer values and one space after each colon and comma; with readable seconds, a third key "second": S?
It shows {"hour": 5, "minute": 17}
